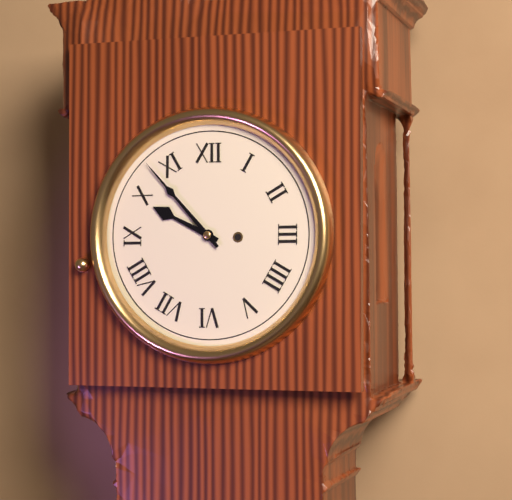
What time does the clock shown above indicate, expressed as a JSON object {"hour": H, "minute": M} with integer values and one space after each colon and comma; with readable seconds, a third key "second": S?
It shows {"hour": 9, "minute": 53}
